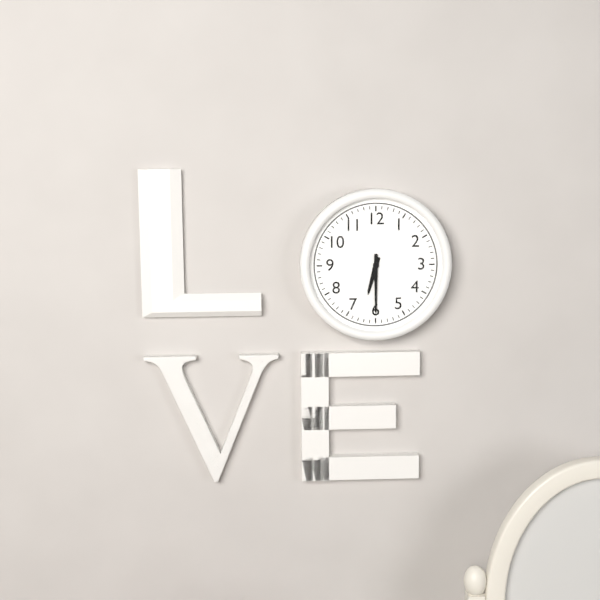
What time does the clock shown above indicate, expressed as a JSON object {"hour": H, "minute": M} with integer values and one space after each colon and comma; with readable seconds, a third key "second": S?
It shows {"hour": 6, "minute": 30}
